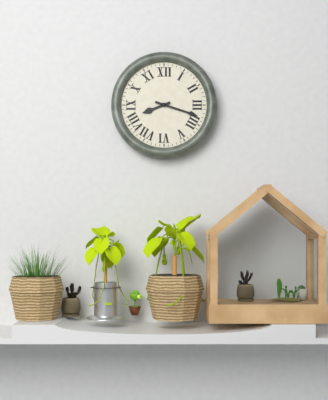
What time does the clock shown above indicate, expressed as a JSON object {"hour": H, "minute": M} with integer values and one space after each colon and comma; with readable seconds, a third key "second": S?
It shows {"hour": 8, "minute": 18}
